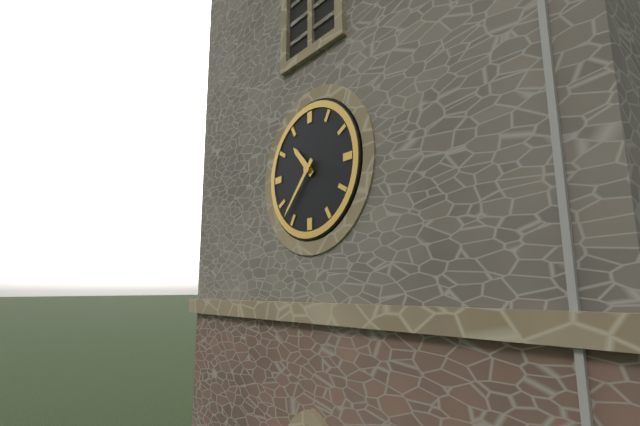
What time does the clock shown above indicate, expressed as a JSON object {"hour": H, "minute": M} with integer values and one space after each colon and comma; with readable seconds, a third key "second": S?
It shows {"hour": 10, "minute": 37}
